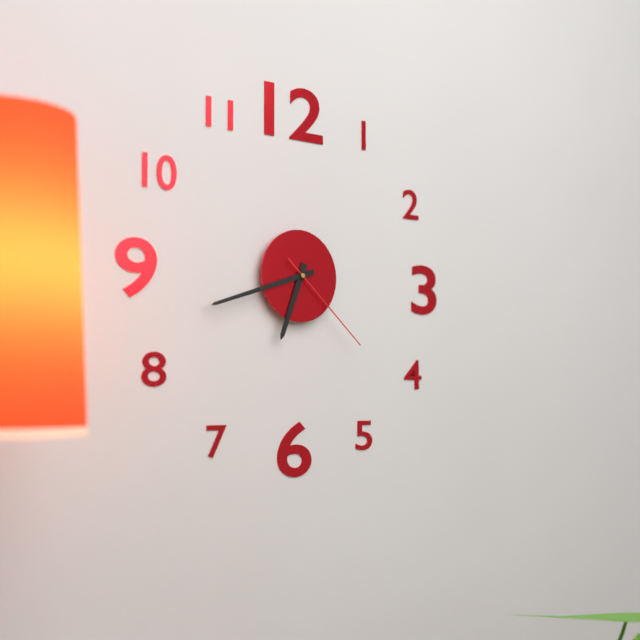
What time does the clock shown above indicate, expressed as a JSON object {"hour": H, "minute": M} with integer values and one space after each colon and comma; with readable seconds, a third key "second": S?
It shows {"hour": 6, "minute": 42, "second": 22}
